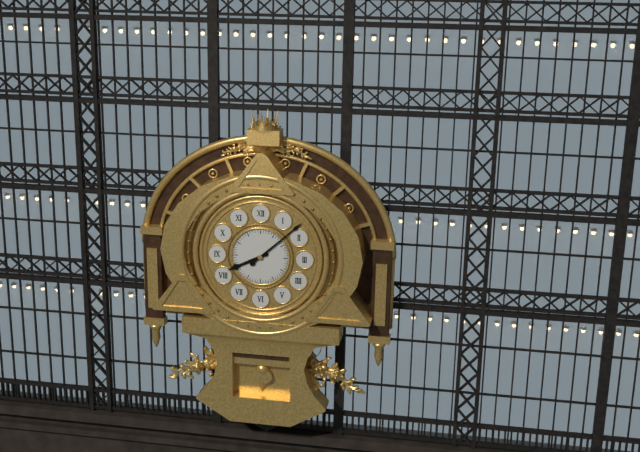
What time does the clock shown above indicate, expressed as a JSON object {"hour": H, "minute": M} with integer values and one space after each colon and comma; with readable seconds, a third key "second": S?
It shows {"hour": 8, "minute": 8}
